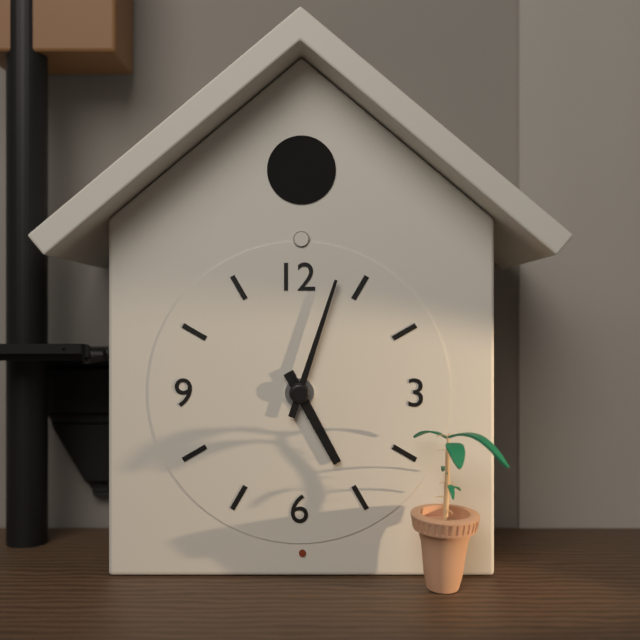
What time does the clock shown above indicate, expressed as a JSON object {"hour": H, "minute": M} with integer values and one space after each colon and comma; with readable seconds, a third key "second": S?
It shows {"hour": 5, "minute": 3}
